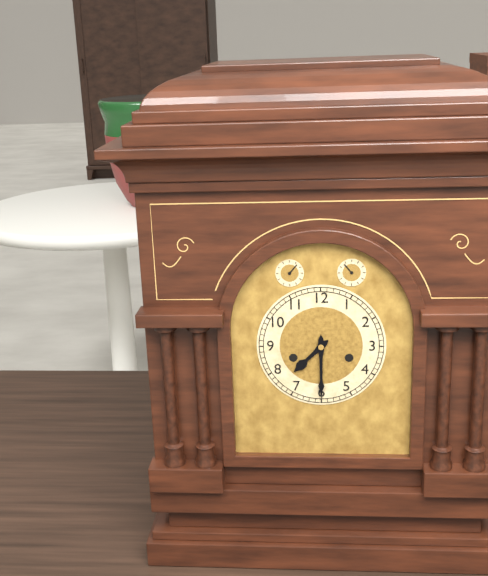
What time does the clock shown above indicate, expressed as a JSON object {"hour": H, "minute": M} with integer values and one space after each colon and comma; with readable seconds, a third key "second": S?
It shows {"hour": 7, "minute": 30}
